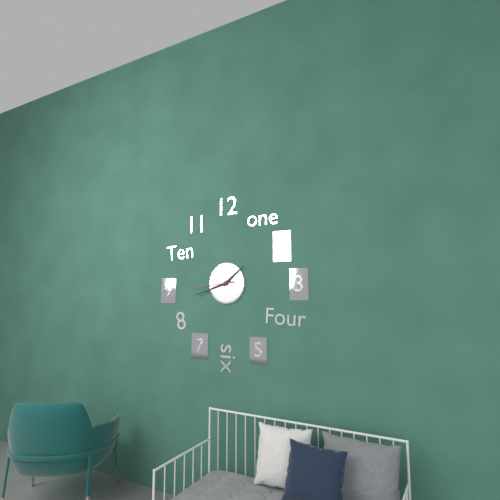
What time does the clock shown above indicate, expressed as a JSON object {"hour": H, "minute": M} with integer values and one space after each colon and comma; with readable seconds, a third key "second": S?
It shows {"hour": 1, "minute": 42}
